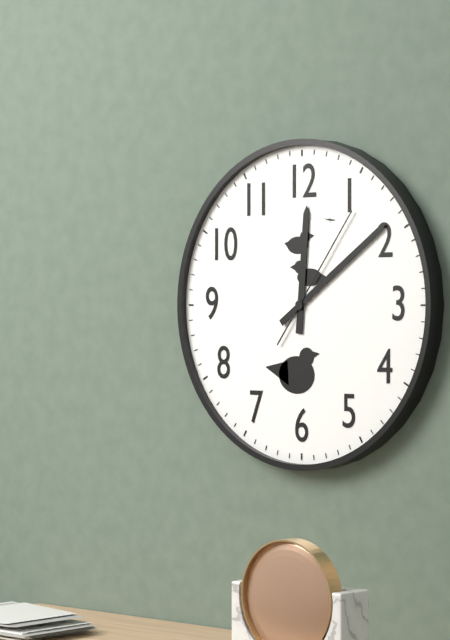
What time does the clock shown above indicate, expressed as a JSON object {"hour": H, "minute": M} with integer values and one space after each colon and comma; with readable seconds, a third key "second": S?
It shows {"hour": 12, "minute": 9, "second": 6}
